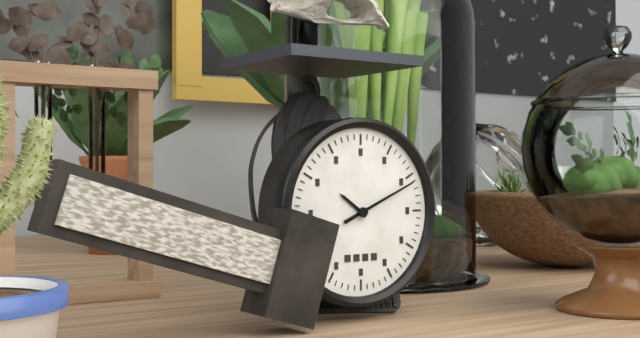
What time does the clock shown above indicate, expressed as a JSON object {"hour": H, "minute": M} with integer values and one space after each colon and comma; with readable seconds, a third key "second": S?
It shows {"hour": 10, "minute": 11}
